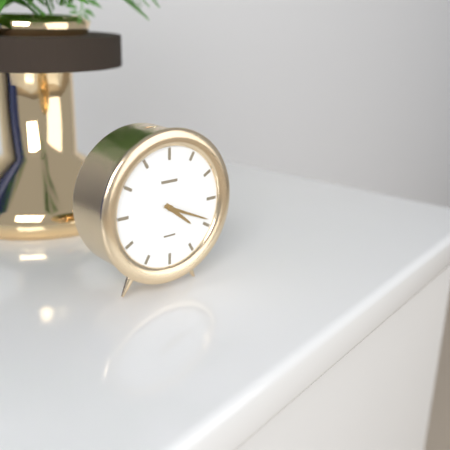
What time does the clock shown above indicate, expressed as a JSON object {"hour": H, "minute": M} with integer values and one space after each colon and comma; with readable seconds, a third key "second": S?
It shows {"hour": 4, "minute": 19}
